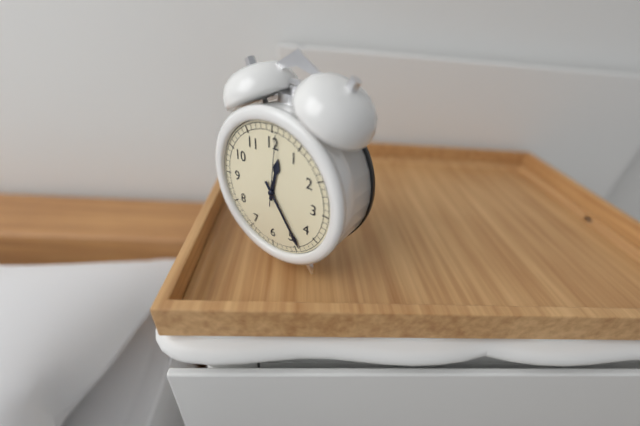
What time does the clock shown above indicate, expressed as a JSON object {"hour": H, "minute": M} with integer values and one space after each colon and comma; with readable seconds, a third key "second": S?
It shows {"hour": 12, "minute": 24, "second": 1}
